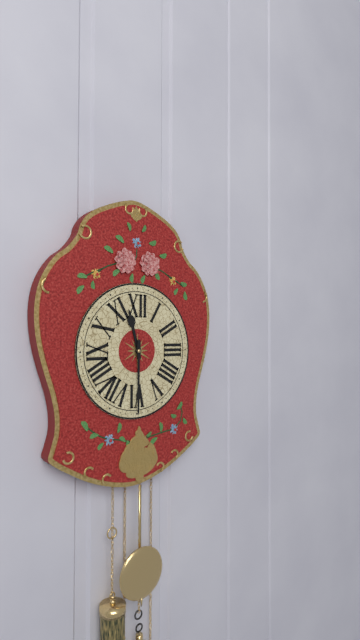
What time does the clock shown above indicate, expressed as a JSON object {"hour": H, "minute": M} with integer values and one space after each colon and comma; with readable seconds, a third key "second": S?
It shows {"hour": 11, "minute": 30}
